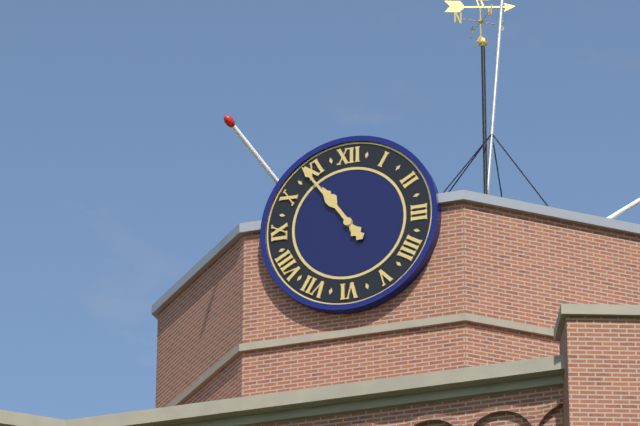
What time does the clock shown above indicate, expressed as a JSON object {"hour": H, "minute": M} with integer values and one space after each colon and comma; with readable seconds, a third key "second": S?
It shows {"hour": 10, "minute": 54}
